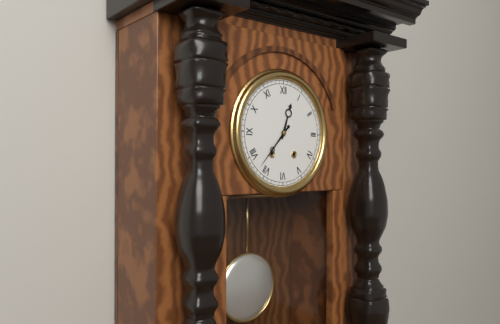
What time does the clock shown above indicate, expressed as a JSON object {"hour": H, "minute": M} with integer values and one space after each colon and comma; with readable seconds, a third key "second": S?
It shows {"hour": 12, "minute": 37}
